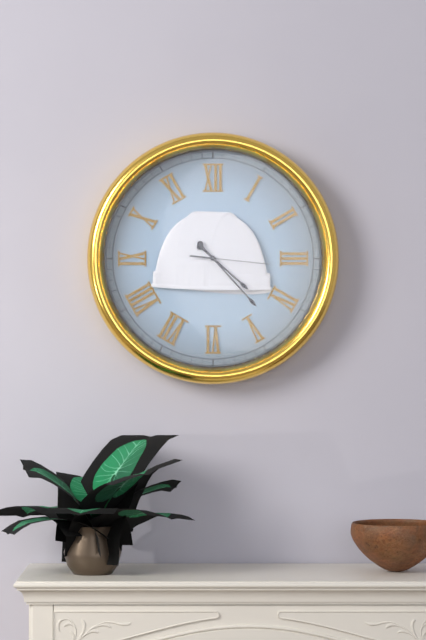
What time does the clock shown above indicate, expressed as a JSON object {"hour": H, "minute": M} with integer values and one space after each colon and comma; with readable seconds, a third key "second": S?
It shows {"hour": 4, "minute": 23, "second": 16}
